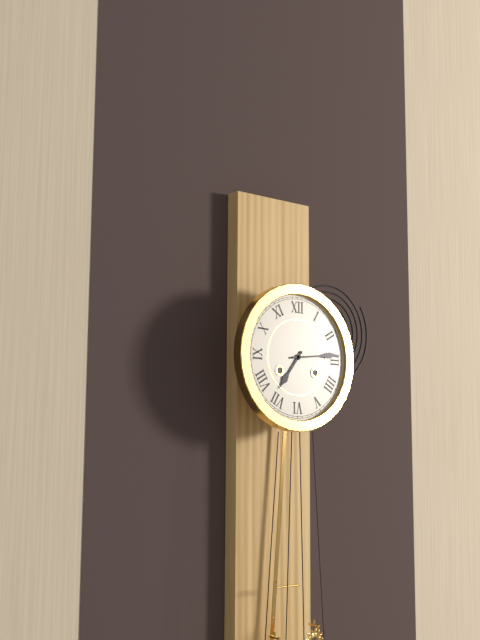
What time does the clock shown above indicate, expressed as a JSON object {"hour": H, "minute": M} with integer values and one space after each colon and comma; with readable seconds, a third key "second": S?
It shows {"hour": 7, "minute": 14}
